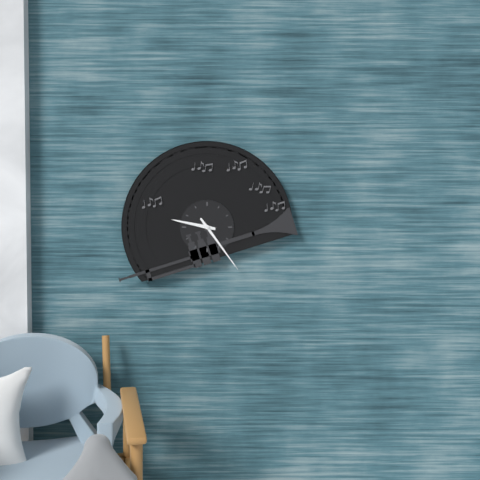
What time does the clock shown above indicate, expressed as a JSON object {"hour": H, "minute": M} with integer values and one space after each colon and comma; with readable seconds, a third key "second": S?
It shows {"hour": 9, "minute": 24}
